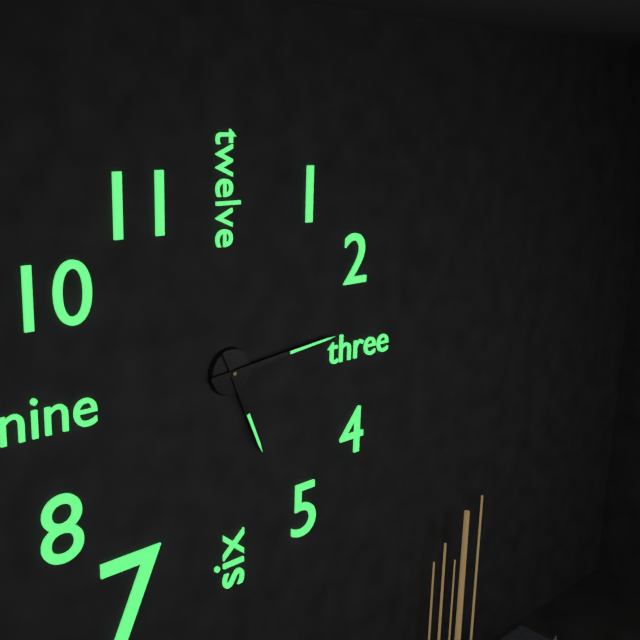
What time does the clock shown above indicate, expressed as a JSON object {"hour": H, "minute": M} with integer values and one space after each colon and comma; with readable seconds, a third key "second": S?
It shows {"hour": 5, "minute": 14}
